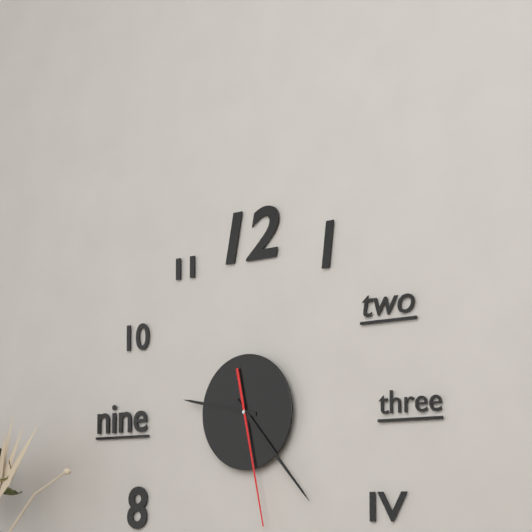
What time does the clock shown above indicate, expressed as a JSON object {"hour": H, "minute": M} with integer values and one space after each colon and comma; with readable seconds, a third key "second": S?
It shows {"hour": 9, "minute": 23, "second": 28}
